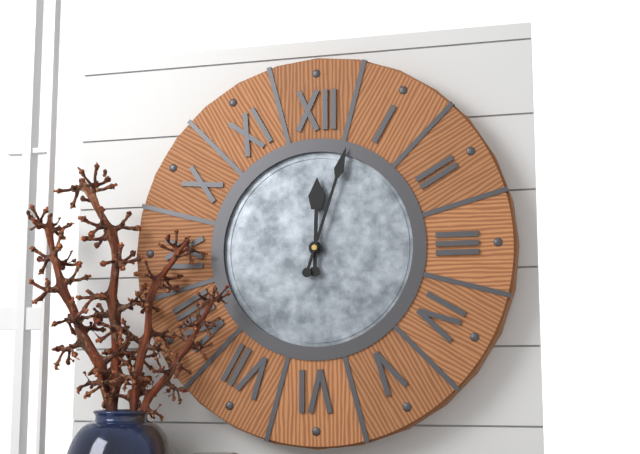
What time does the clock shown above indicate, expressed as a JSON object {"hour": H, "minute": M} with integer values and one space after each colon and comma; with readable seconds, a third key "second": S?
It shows {"hour": 12, "minute": 3}
